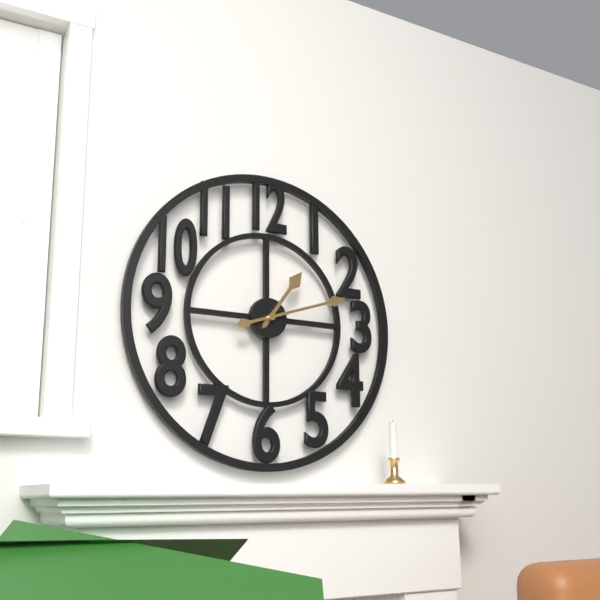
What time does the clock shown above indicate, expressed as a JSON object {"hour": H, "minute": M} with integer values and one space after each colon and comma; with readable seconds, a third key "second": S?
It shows {"hour": 1, "minute": 12}
